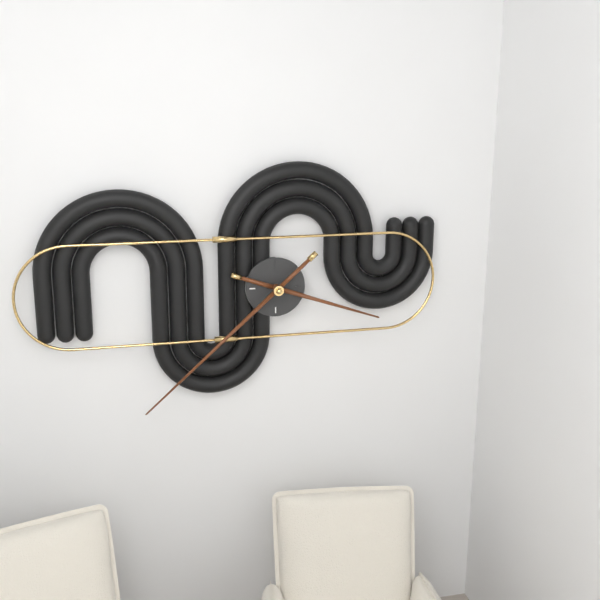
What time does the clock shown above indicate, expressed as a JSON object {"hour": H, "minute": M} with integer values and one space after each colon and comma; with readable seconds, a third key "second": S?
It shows {"hour": 3, "minute": 38}
